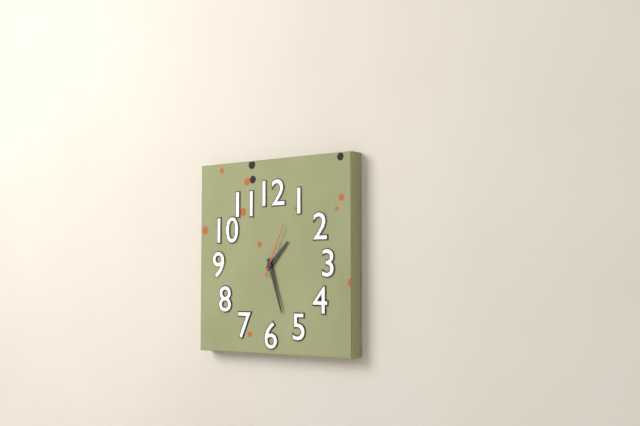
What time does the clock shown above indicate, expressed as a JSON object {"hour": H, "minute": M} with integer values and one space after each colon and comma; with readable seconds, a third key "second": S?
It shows {"hour": 1, "minute": 27, "second": 4}
